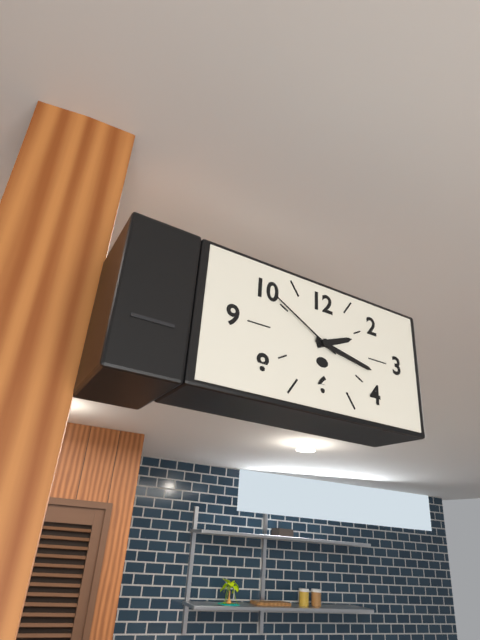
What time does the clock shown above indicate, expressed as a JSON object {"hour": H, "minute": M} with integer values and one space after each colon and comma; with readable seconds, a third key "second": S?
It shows {"hour": 2, "minute": 17, "second": 50}
